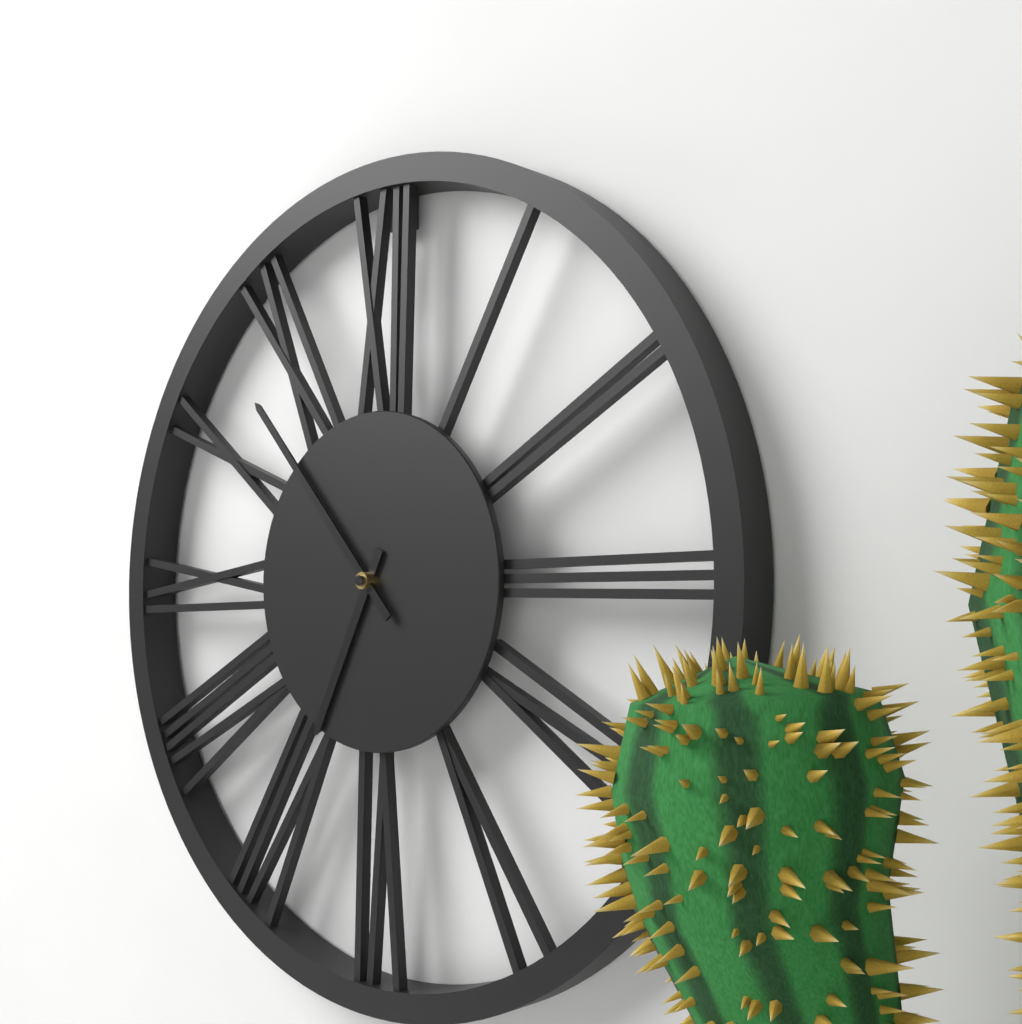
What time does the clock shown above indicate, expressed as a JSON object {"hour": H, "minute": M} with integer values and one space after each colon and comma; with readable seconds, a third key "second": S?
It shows {"hour": 6, "minute": 53}
